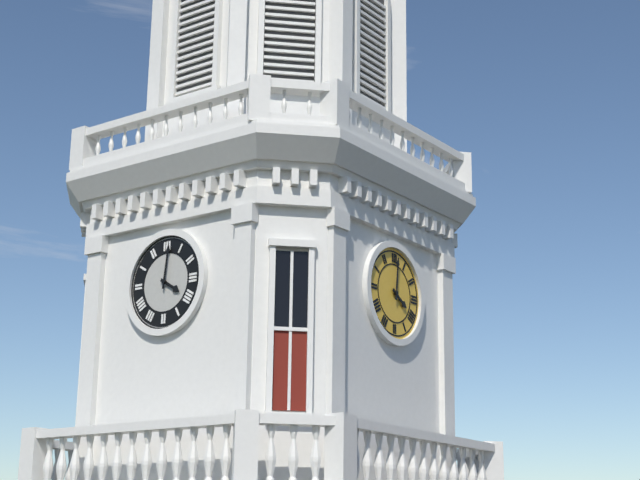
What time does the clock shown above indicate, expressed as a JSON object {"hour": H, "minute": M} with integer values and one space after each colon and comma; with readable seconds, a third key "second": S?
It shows {"hour": 4, "minute": 1}
